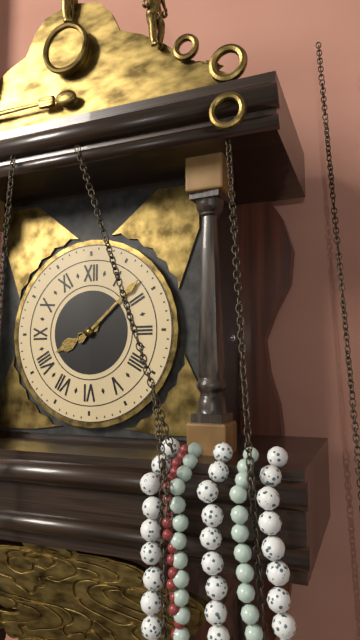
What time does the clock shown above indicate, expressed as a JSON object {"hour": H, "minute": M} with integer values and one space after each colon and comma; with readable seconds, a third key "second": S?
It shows {"hour": 8, "minute": 8}
